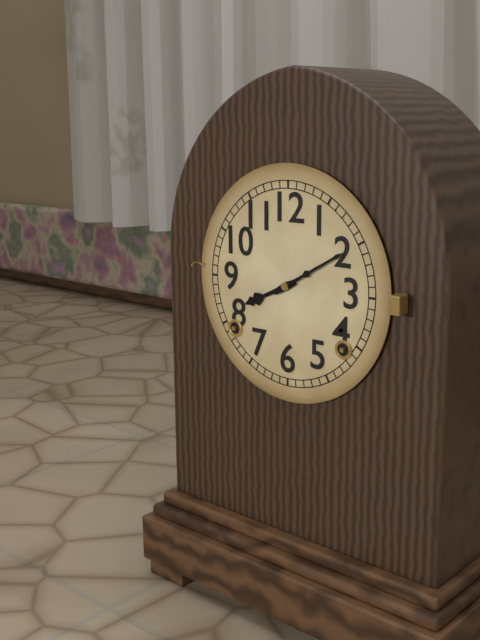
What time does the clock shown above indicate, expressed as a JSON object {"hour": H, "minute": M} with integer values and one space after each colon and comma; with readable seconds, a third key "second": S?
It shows {"hour": 8, "minute": 10}
